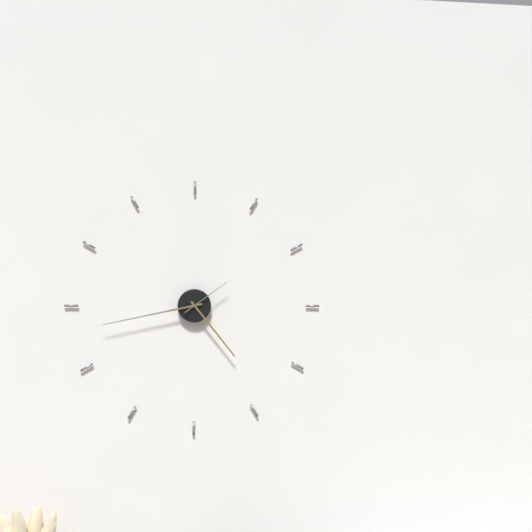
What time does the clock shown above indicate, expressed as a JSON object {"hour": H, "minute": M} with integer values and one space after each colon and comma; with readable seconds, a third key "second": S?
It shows {"hour": 4, "minute": 43, "second": 9}
